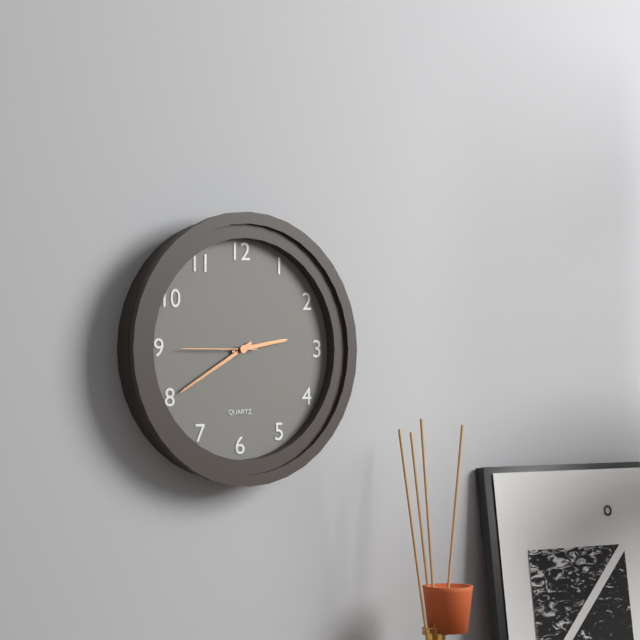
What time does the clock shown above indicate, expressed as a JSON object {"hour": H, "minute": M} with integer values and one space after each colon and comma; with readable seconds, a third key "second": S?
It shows {"hour": 2, "minute": 40, "second": 45}
